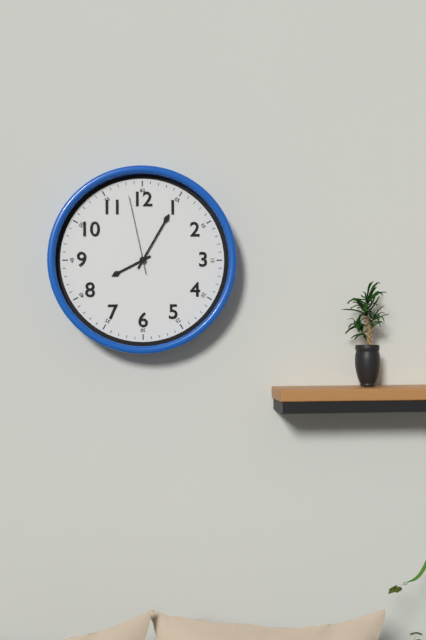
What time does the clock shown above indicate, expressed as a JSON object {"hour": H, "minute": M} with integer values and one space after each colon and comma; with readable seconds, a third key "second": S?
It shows {"hour": 8, "minute": 5, "second": 58}
